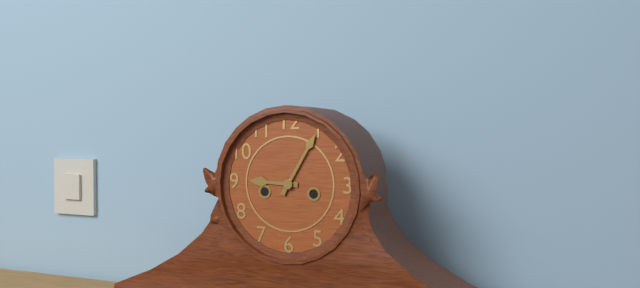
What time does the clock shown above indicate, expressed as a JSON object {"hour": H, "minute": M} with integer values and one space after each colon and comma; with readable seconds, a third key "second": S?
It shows {"hour": 9, "minute": 5}
